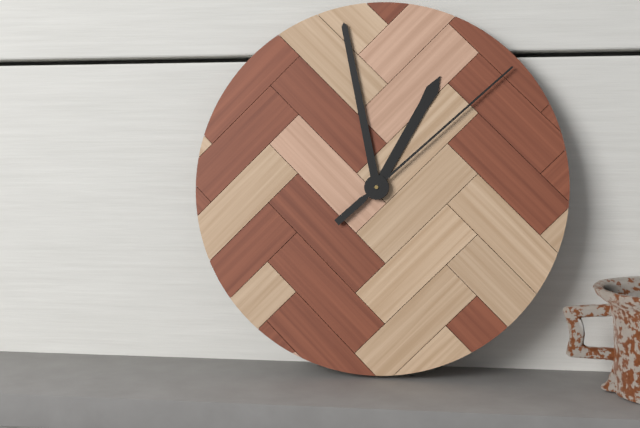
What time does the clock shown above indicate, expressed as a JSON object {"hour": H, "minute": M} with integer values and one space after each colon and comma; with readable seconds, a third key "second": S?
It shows {"hour": 12, "minute": 58, "second": 8}
